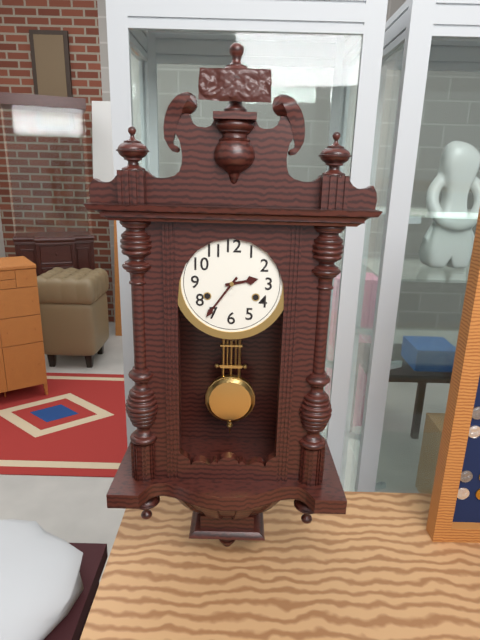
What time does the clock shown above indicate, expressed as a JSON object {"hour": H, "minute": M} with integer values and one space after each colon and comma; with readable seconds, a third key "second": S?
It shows {"hour": 2, "minute": 36}
